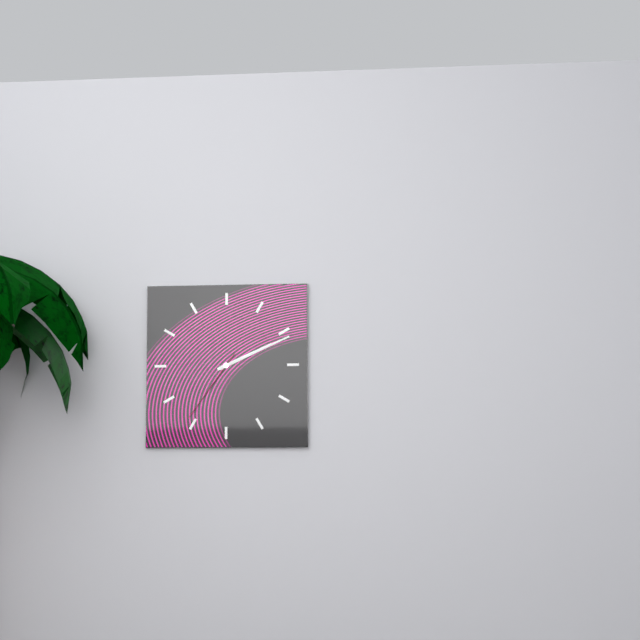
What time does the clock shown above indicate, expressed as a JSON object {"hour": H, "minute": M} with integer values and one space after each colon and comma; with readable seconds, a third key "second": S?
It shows {"hour": 2, "minute": 11, "second": 36}
